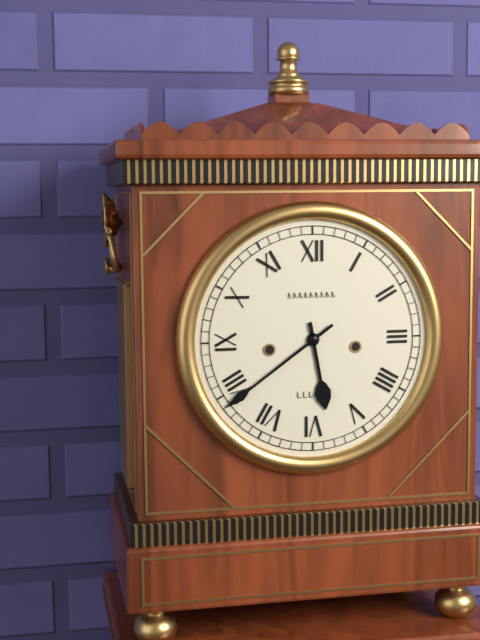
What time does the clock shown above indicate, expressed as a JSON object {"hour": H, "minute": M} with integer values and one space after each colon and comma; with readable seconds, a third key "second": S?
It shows {"hour": 5, "minute": 39}
